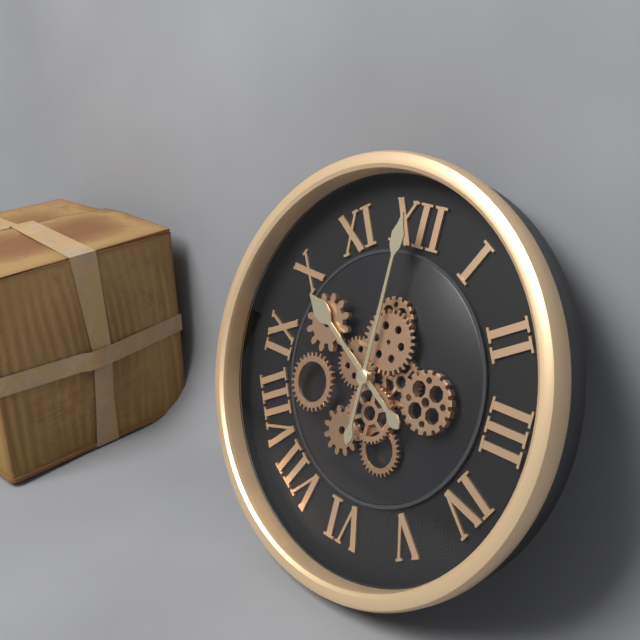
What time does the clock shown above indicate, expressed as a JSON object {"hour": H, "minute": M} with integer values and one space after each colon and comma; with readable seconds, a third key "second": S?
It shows {"hour": 10, "minute": 0}
